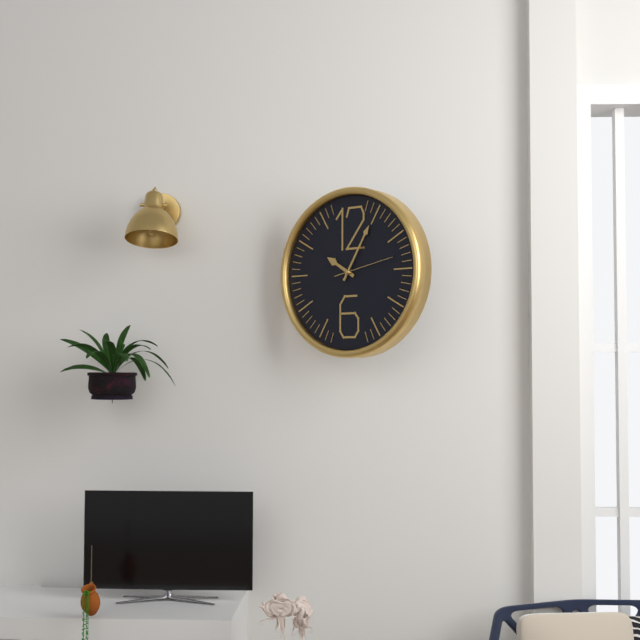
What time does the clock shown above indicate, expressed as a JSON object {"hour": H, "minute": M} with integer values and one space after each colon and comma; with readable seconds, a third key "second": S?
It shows {"hour": 10, "minute": 5, "second": 13}
